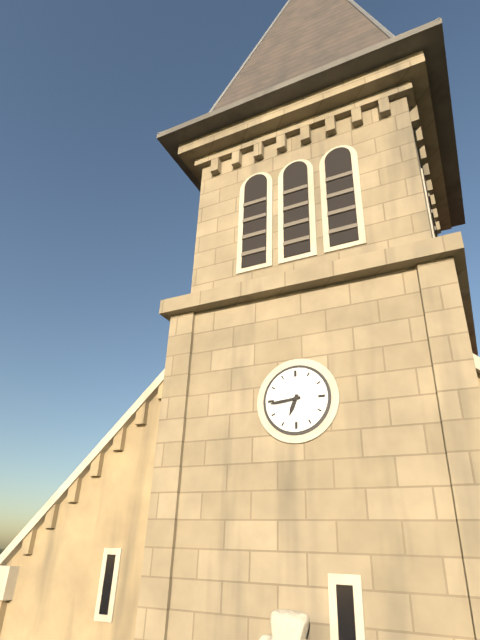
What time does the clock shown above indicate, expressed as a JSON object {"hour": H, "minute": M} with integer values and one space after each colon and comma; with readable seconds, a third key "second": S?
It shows {"hour": 6, "minute": 44}
